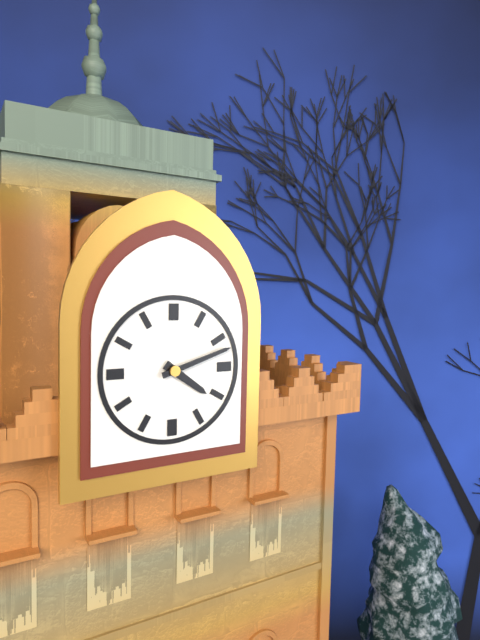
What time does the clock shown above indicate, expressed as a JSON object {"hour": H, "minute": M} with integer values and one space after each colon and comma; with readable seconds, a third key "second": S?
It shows {"hour": 4, "minute": 12}
